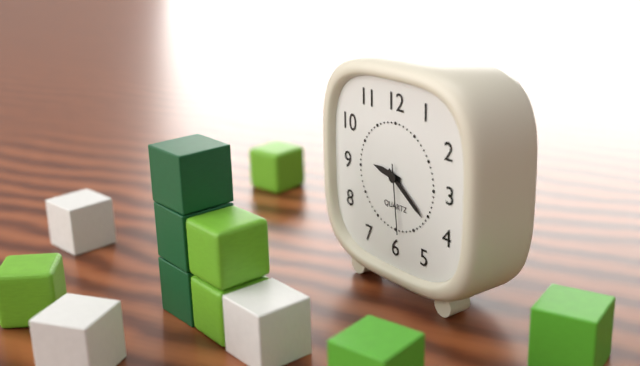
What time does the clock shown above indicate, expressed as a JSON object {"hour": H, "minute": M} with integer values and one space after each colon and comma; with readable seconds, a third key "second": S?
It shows {"hour": 9, "minute": 21, "second": 29}
